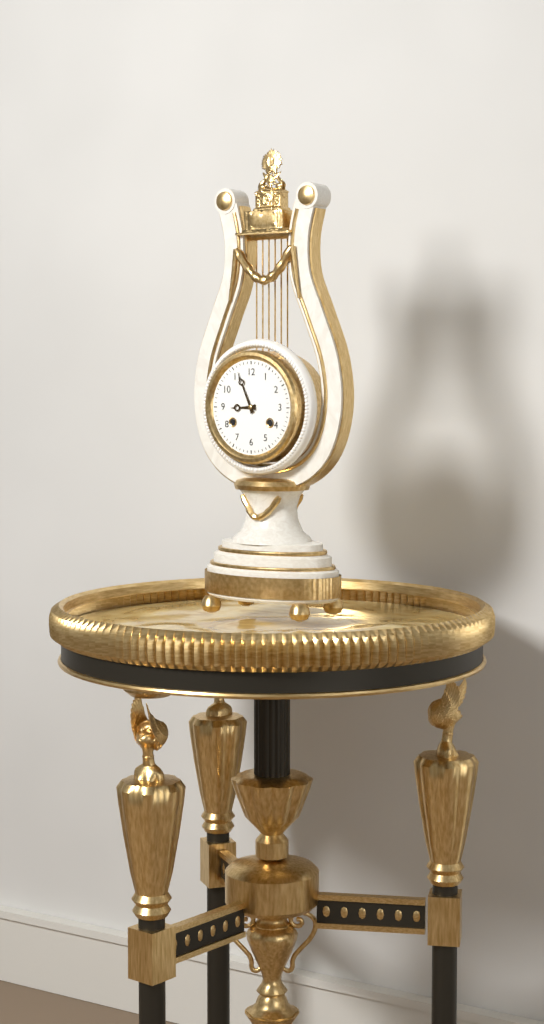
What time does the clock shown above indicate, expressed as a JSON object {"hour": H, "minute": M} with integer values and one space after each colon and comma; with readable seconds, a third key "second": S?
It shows {"hour": 8, "minute": 56}
